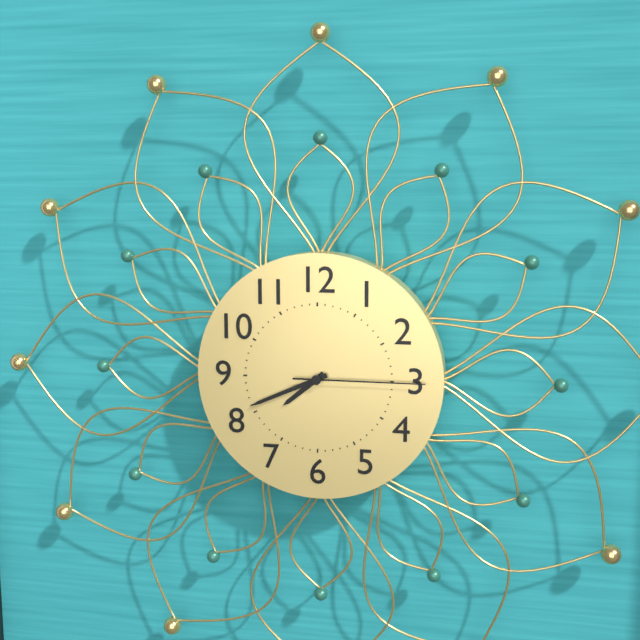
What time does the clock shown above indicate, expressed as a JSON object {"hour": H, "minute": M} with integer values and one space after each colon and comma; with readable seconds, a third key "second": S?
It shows {"hour": 7, "minute": 41, "second": 15}
